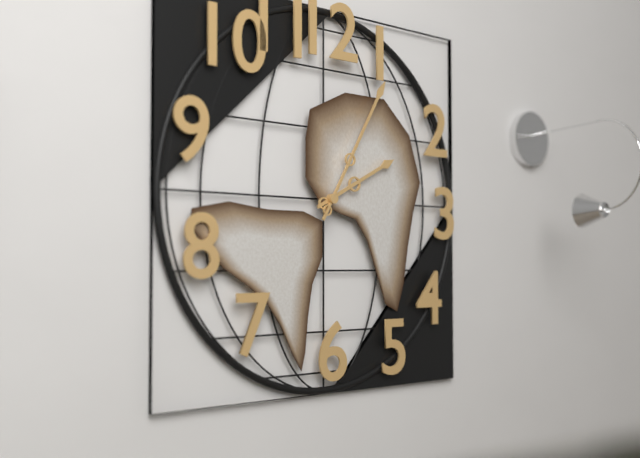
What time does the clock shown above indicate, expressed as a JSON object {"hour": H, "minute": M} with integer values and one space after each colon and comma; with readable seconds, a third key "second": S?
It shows {"hour": 2, "minute": 5}
